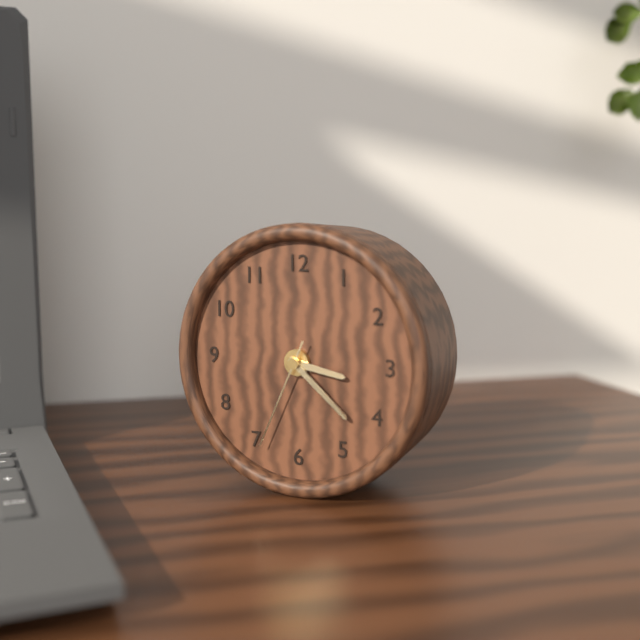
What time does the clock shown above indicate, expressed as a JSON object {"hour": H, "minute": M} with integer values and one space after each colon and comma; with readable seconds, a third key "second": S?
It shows {"hour": 3, "minute": 22, "second": 34}
